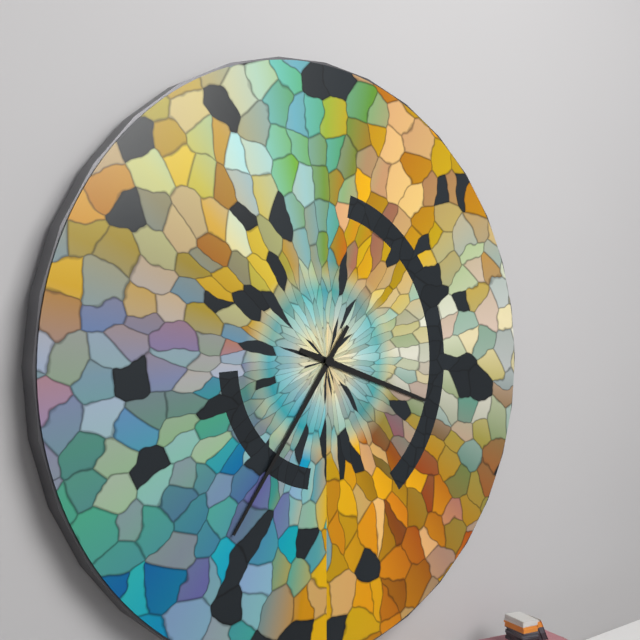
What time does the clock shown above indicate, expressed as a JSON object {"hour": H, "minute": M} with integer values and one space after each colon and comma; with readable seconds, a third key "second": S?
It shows {"hour": 3, "minute": 36}
